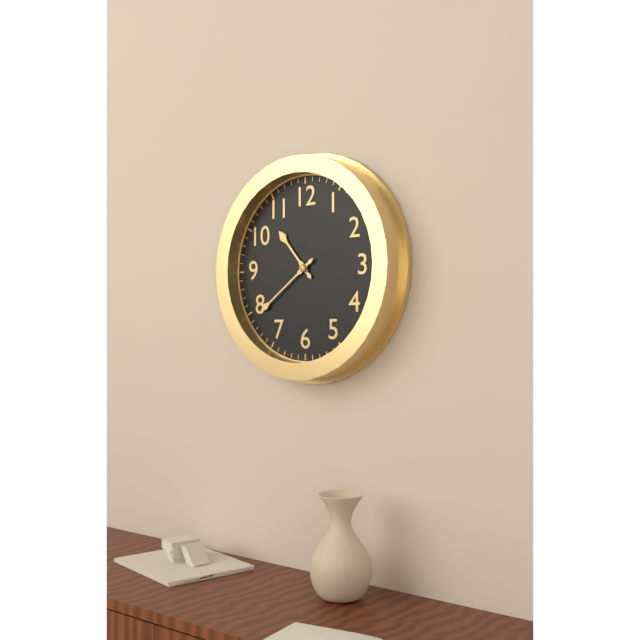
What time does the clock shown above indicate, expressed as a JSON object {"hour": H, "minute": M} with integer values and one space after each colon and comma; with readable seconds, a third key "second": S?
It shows {"hour": 10, "minute": 39}
